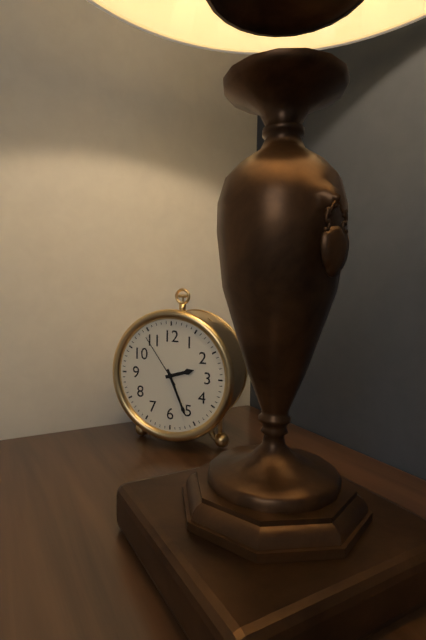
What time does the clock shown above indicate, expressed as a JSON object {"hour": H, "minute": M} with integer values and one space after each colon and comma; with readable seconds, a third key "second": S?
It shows {"hour": 2, "minute": 26, "second": 54}
